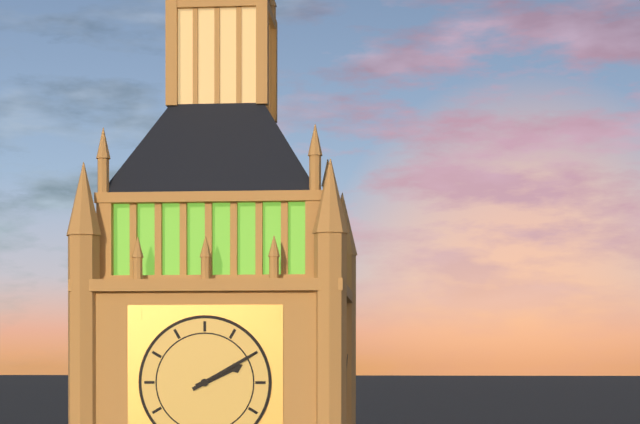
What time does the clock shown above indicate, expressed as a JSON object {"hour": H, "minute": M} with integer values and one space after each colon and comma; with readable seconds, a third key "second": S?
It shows {"hour": 2, "minute": 10}
